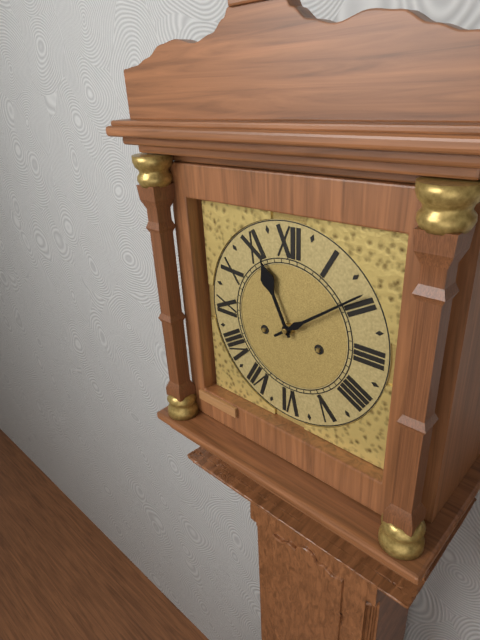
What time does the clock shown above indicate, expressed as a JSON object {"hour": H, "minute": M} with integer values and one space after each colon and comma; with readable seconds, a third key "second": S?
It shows {"hour": 11, "minute": 9}
